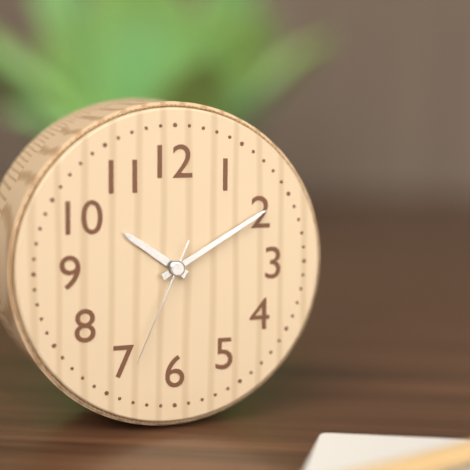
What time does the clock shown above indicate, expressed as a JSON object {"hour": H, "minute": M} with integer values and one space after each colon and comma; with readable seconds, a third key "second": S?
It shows {"hour": 10, "minute": 10, "second": 34}
